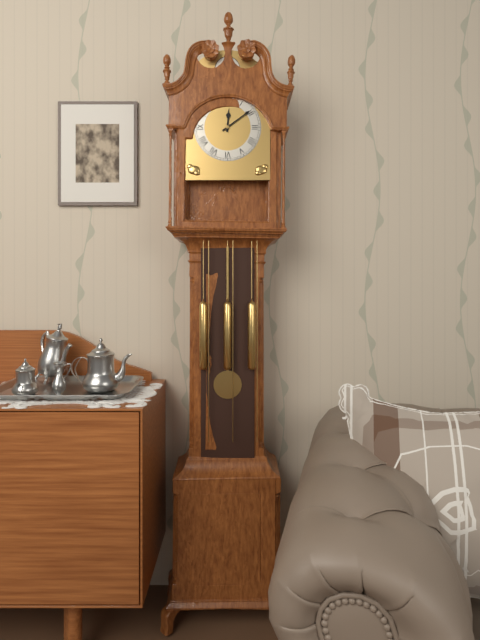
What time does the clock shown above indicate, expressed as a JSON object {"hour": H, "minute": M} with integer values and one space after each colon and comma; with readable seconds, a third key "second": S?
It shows {"hour": 12, "minute": 9}
